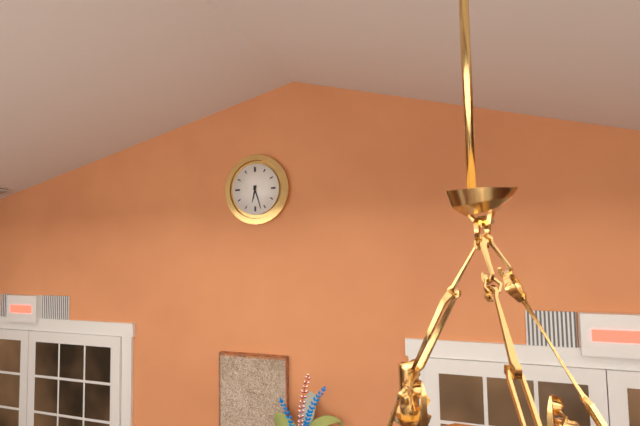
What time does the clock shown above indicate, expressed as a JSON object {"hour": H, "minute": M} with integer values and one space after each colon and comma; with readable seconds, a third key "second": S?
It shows {"hour": 6, "minute": 27}
